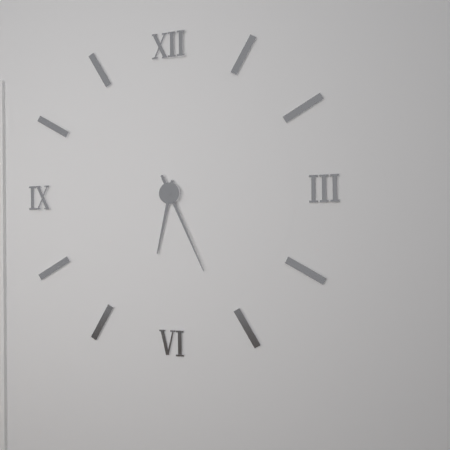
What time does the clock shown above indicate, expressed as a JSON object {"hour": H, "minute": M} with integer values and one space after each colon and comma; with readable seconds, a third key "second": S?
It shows {"hour": 6, "minute": 26}
